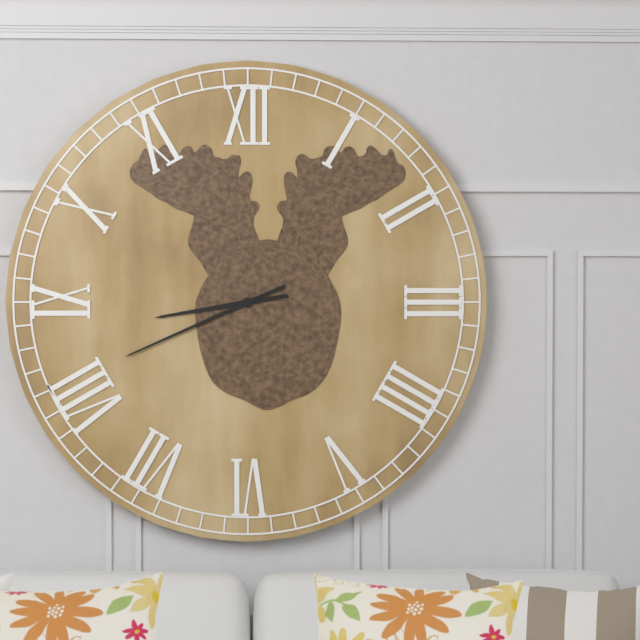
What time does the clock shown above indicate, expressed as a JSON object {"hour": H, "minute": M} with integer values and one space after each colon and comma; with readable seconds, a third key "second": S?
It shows {"hour": 8, "minute": 41}
